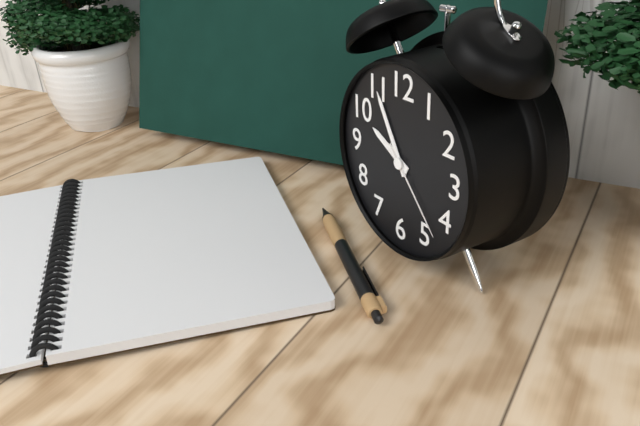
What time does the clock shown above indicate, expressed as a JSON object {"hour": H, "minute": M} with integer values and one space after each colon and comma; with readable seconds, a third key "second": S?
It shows {"hour": 9, "minute": 55, "second": 23}
